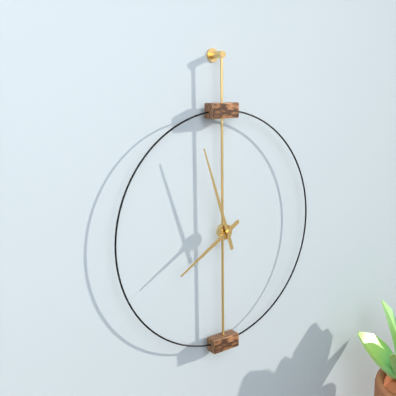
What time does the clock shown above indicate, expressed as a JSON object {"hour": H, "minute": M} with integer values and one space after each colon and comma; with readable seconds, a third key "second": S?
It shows {"hour": 7, "minute": 57}
